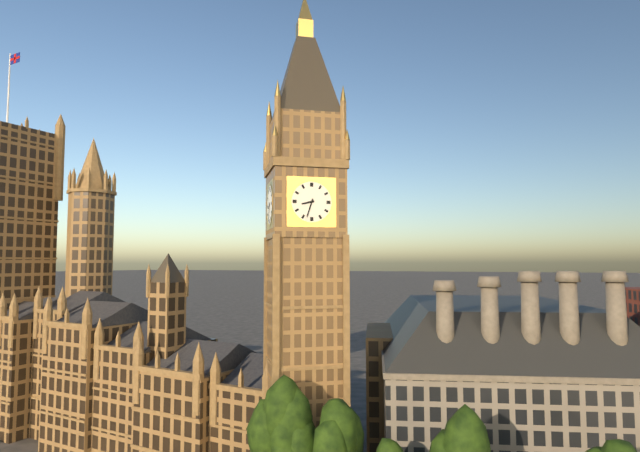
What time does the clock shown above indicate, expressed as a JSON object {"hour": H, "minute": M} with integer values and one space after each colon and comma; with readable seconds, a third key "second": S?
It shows {"hour": 8, "minute": 33}
